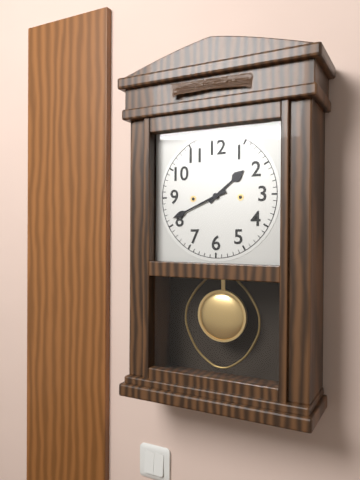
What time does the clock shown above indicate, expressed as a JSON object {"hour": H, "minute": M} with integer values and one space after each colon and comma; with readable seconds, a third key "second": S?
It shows {"hour": 1, "minute": 41}
